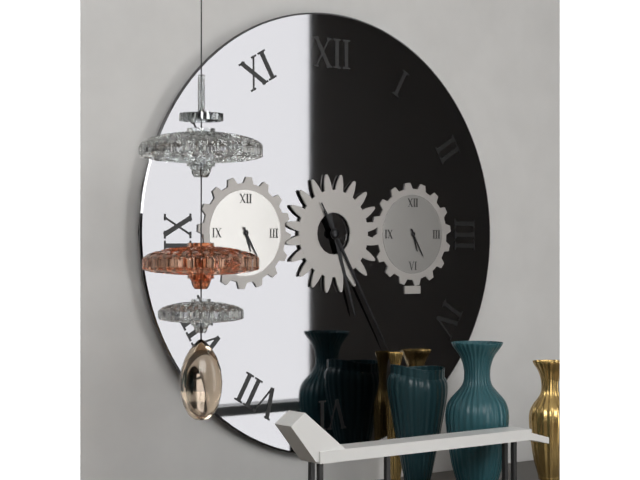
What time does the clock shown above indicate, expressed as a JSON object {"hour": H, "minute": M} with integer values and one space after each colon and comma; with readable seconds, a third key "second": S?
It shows {"hour": 5, "minute": 25, "second": 25}
